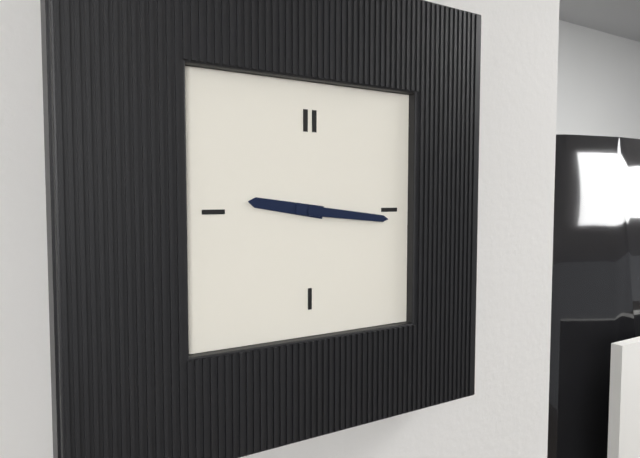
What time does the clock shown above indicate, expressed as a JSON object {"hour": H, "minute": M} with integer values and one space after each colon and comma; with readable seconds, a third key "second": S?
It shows {"hour": 9, "minute": 16}
